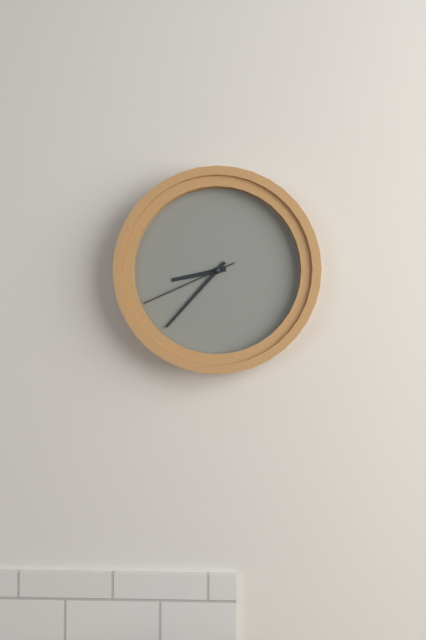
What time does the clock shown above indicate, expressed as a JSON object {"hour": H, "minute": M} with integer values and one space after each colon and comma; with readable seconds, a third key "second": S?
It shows {"hour": 8, "minute": 37, "second": 41}
